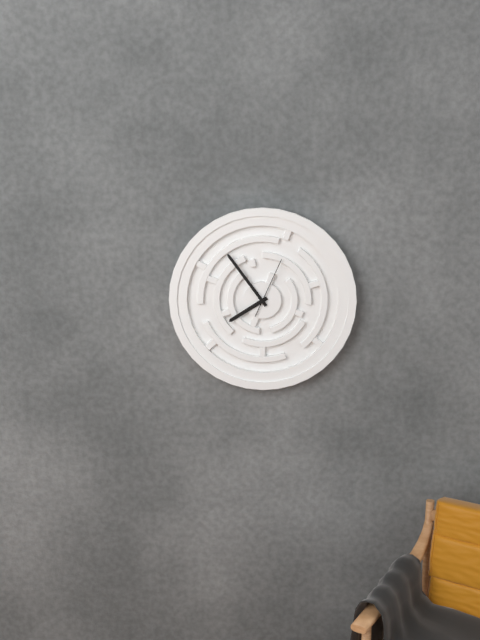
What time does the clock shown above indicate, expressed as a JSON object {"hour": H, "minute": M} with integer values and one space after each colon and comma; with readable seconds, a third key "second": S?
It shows {"hour": 7, "minute": 54, "second": 4}
